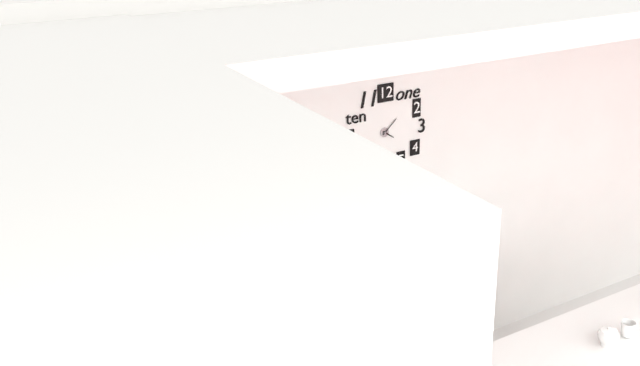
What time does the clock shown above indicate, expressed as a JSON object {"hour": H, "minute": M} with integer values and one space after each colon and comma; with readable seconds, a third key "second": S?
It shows {"hour": 4, "minute": 8}
